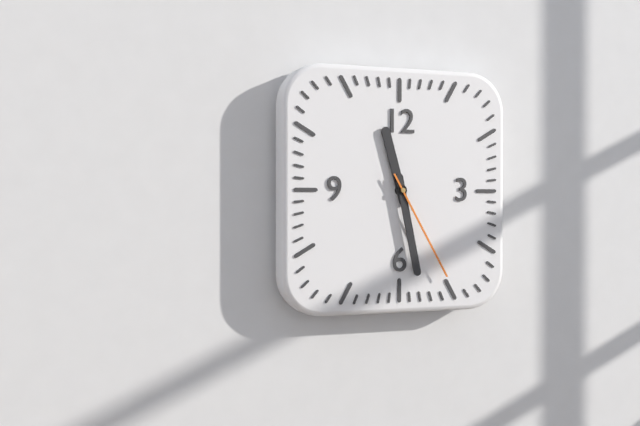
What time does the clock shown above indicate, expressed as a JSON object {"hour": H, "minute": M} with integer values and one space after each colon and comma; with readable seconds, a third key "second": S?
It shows {"hour": 11, "minute": 28, "second": 25}
